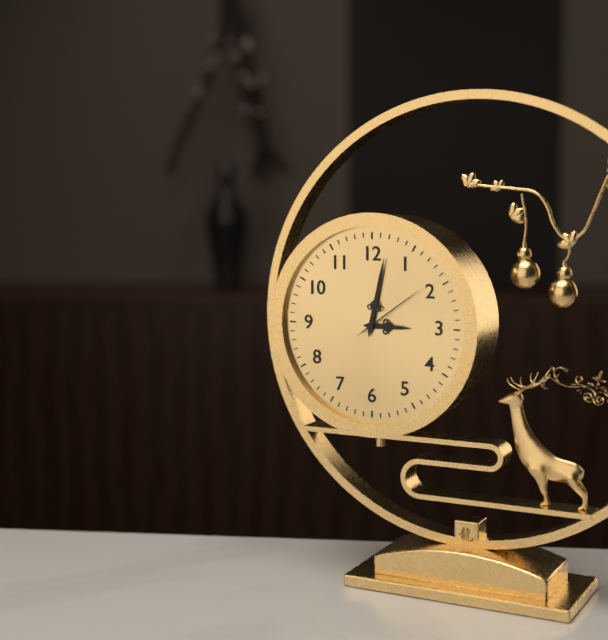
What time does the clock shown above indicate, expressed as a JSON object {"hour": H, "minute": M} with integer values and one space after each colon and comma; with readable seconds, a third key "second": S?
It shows {"hour": 3, "minute": 2, "second": 9}
